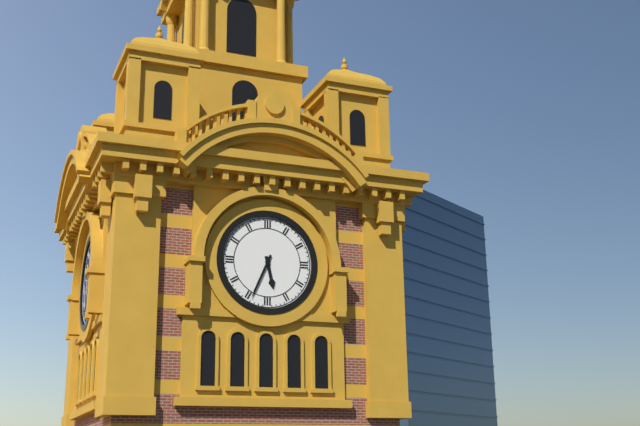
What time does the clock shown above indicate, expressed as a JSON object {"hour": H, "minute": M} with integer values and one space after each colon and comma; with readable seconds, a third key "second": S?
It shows {"hour": 5, "minute": 34}
